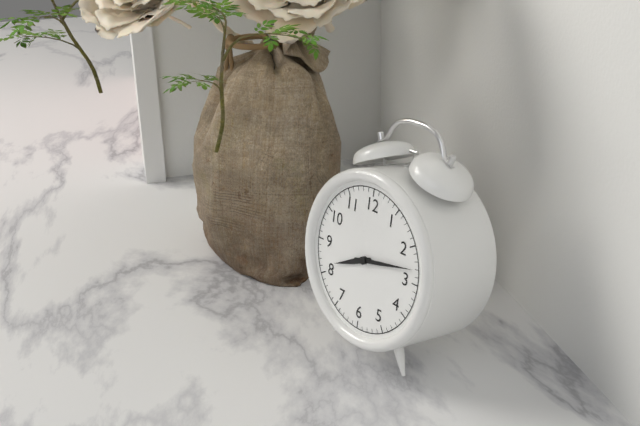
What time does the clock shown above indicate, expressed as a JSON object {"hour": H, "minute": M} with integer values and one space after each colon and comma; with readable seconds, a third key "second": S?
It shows {"hour": 8, "minute": 13}
